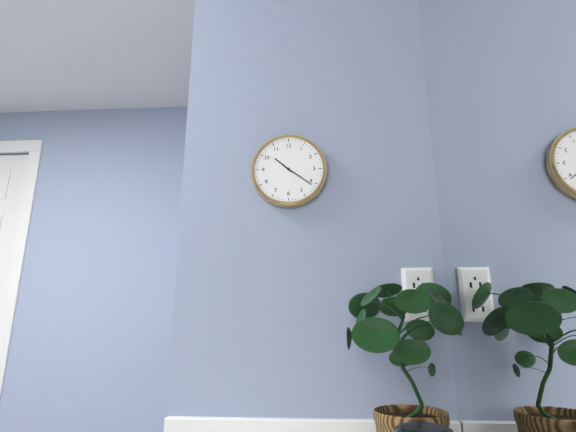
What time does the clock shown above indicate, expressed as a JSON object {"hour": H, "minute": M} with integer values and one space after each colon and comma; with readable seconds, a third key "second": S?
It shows {"hour": 10, "minute": 21}
